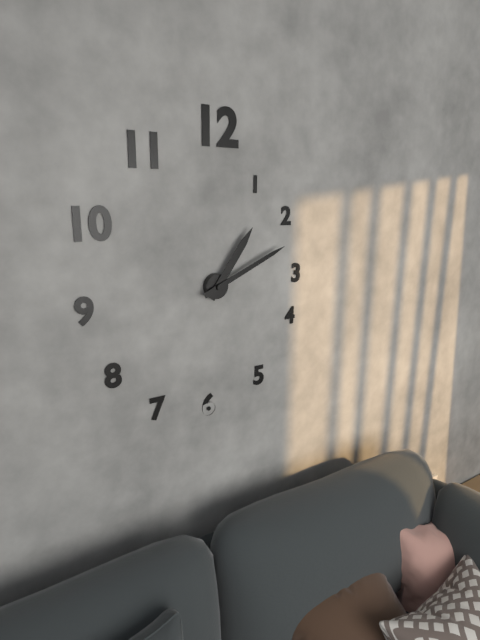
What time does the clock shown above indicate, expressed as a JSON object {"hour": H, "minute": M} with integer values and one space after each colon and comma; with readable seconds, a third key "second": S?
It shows {"hour": 1, "minute": 11}
